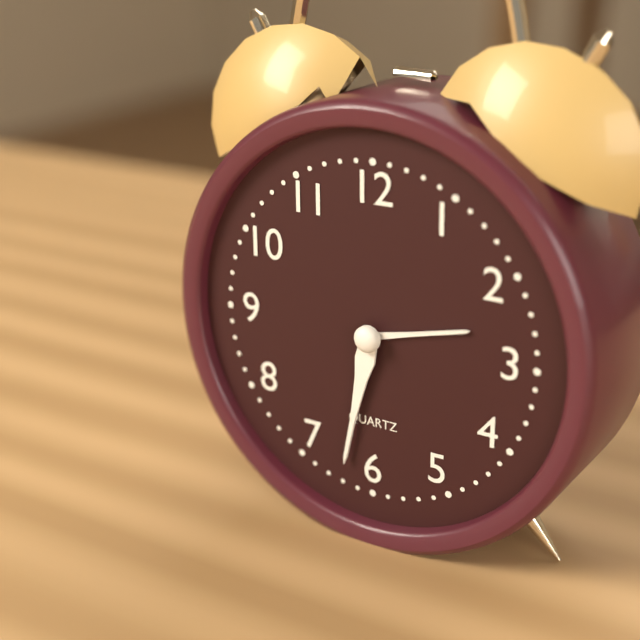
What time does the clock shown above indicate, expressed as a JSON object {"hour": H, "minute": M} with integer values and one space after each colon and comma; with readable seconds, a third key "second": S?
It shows {"hour": 2, "minute": 32}
